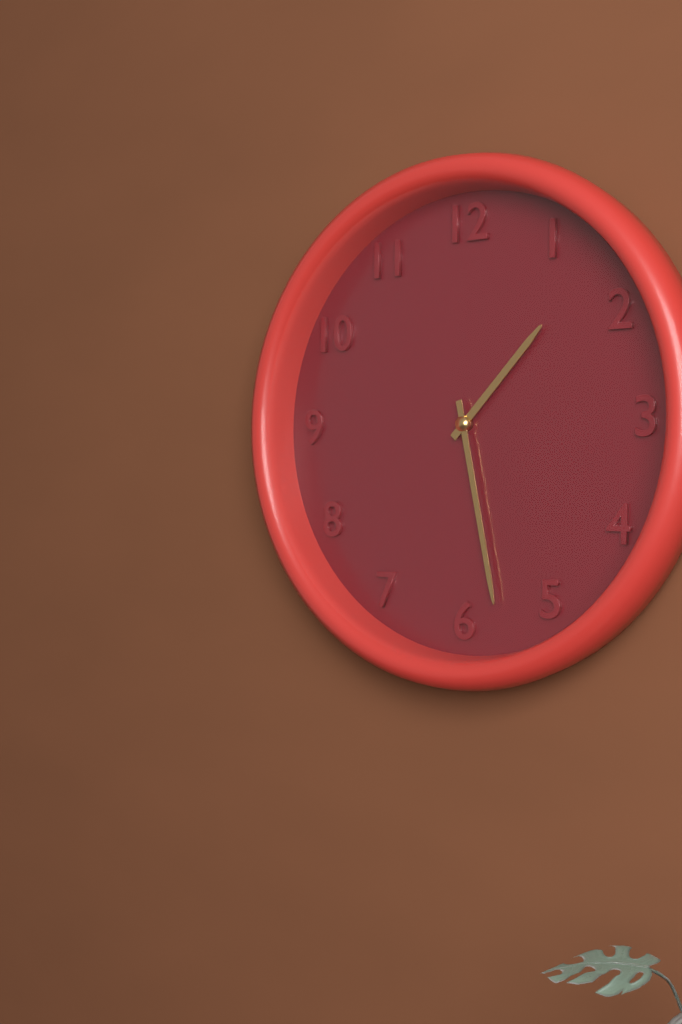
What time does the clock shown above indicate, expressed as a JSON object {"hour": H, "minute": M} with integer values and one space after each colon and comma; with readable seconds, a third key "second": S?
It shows {"hour": 1, "minute": 28}
